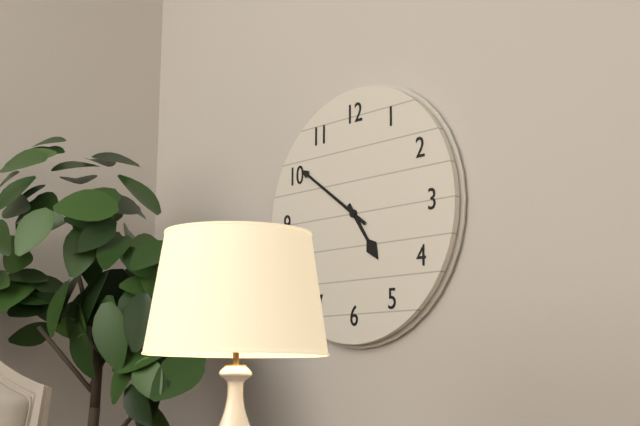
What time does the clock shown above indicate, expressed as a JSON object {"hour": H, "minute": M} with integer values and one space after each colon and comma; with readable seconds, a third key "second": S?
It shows {"hour": 4, "minute": 51}
